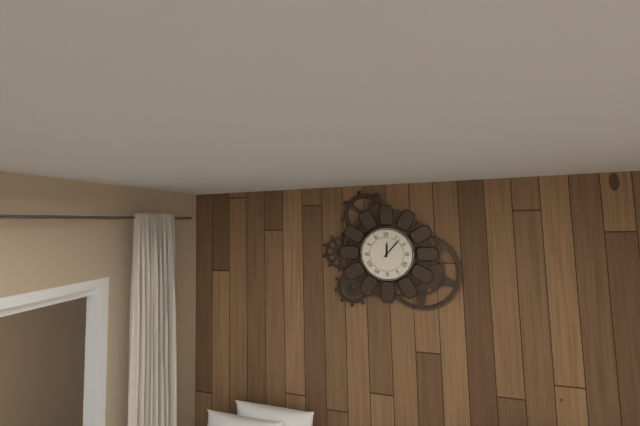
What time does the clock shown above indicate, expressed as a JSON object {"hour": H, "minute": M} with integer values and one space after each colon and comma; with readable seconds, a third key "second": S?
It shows {"hour": 12, "minute": 7}
